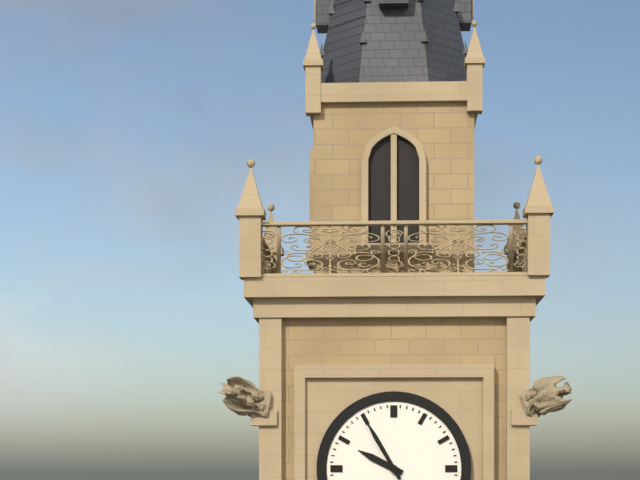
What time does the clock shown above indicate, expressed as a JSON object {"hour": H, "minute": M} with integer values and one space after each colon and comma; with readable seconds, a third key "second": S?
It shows {"hour": 9, "minute": 55}
